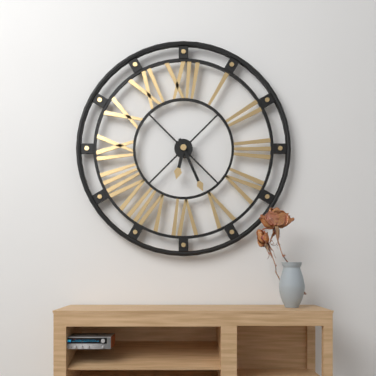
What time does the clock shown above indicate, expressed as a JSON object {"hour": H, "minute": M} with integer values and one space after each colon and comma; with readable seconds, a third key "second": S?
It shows {"hour": 6, "minute": 26}
